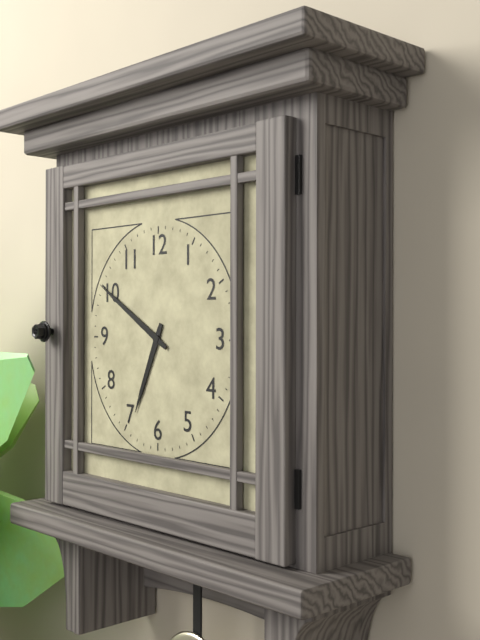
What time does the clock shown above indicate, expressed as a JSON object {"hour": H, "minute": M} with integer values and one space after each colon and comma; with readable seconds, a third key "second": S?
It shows {"hour": 6, "minute": 50}
